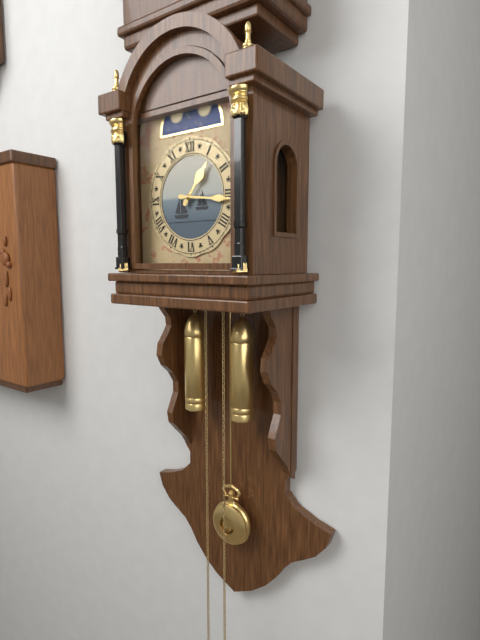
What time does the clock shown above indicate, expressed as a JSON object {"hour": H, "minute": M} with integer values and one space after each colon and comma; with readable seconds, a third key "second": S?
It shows {"hour": 1, "minute": 16}
